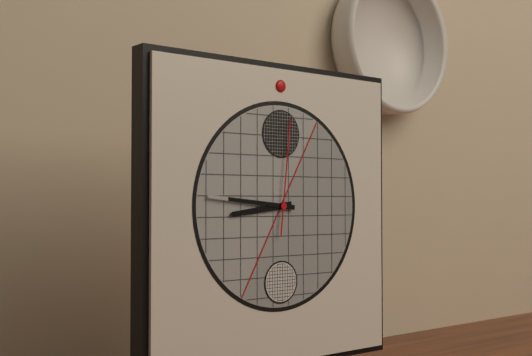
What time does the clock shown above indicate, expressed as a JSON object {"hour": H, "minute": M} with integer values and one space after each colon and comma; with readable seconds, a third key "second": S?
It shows {"hour": 8, "minute": 46, "second": 1}
